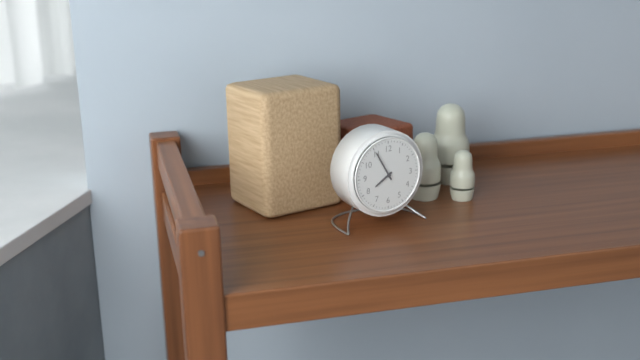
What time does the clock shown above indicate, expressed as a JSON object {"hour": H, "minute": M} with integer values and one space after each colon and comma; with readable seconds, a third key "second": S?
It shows {"hour": 7, "minute": 55}
